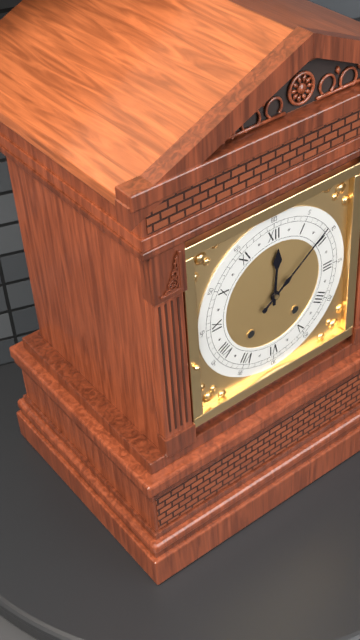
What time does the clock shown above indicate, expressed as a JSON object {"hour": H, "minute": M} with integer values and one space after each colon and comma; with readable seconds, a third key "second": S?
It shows {"hour": 12, "minute": 9}
